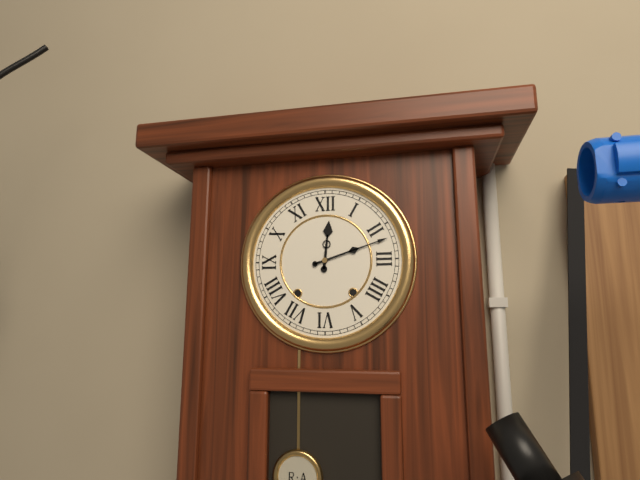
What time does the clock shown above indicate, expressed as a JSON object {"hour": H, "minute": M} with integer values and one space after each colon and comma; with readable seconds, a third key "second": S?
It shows {"hour": 12, "minute": 12}
